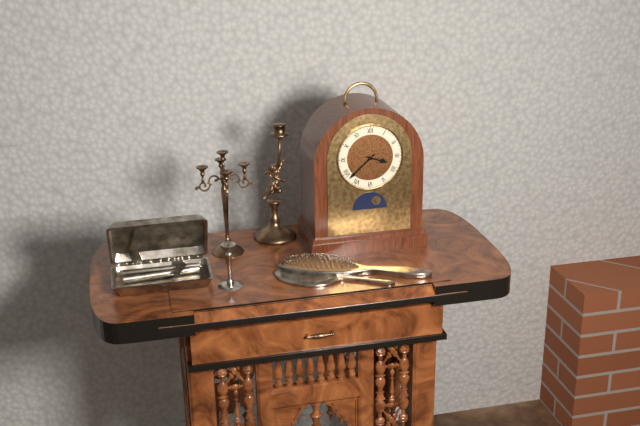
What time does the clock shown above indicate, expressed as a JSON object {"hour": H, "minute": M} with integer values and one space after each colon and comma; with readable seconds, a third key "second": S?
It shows {"hour": 3, "minute": 38}
